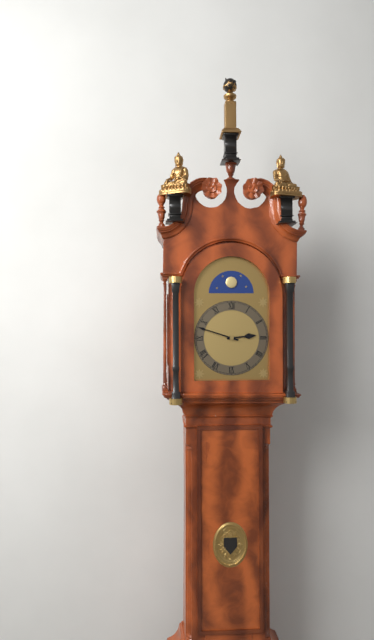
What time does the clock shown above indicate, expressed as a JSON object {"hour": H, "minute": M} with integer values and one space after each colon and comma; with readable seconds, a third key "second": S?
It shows {"hour": 2, "minute": 48}
